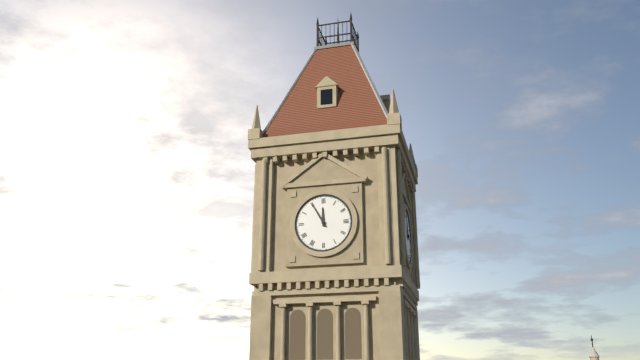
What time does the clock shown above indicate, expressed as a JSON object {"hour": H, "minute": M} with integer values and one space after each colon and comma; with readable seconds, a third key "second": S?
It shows {"hour": 11, "minute": 55}
